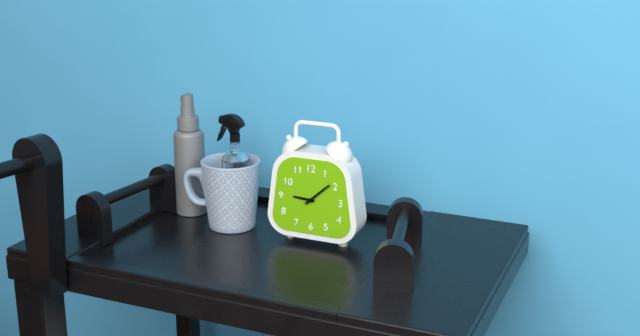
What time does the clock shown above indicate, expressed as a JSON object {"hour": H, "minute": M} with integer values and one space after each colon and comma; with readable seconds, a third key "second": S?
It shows {"hour": 9, "minute": 8}
